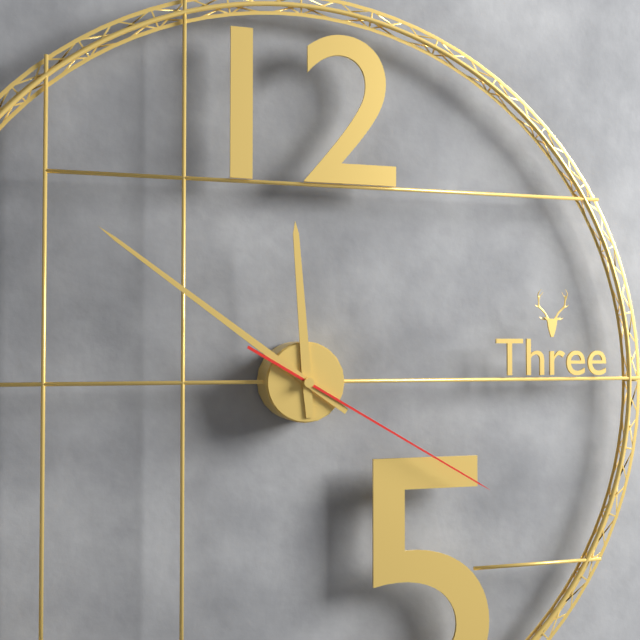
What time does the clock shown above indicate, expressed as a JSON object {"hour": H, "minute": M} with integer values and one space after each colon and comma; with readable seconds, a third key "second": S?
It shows {"hour": 11, "minute": 51, "second": 20}
